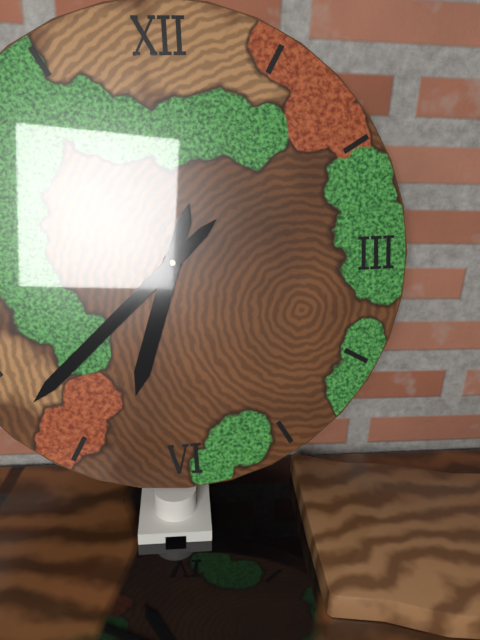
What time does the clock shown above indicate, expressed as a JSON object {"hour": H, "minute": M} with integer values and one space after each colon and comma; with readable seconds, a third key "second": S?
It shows {"hour": 6, "minute": 38}
